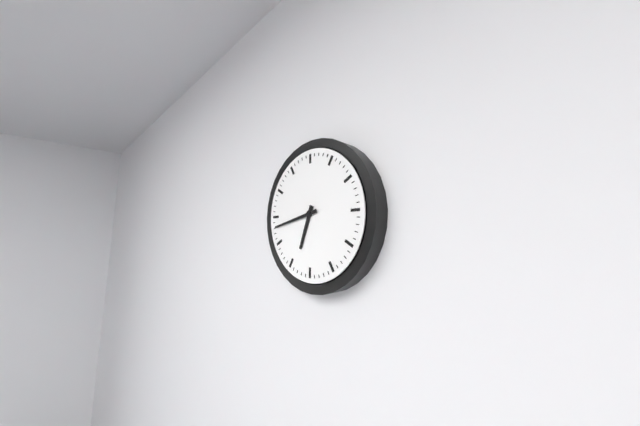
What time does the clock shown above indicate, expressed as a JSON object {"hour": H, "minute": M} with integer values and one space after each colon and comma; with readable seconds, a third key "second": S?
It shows {"hour": 6, "minute": 43}
